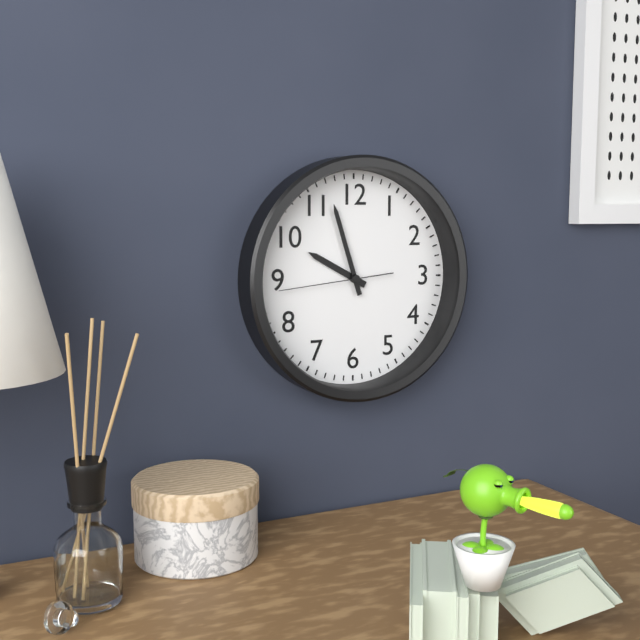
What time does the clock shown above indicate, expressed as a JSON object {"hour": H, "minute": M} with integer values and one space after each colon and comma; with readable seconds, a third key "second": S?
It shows {"hour": 9, "minute": 57, "second": 44}
